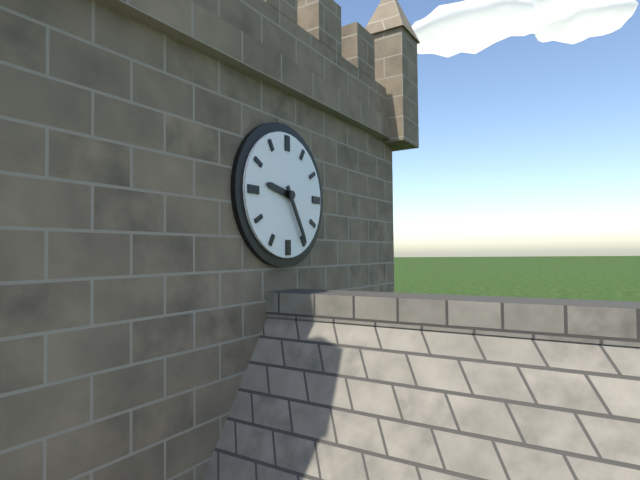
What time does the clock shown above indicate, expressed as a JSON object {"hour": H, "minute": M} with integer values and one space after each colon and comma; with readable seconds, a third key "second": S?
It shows {"hour": 9, "minute": 25}
